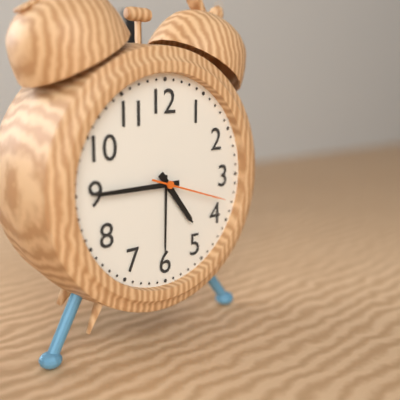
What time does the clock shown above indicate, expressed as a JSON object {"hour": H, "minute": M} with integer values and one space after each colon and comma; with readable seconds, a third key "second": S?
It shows {"hour": 4, "minute": 45, "second": 18}
